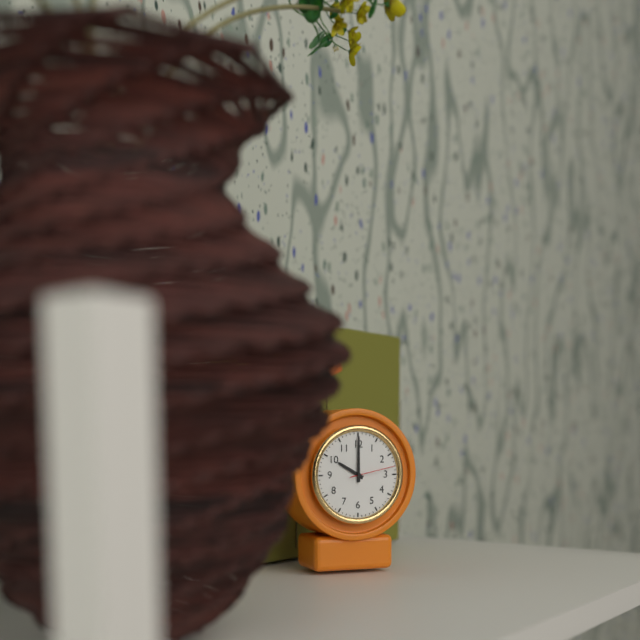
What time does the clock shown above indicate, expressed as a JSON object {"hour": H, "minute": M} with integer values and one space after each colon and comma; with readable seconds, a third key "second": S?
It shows {"hour": 10, "minute": 0}
